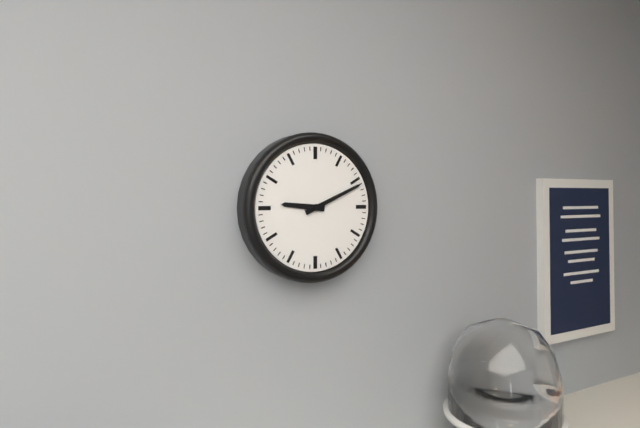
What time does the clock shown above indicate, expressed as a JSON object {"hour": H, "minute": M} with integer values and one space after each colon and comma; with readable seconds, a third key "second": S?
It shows {"hour": 9, "minute": 11}
